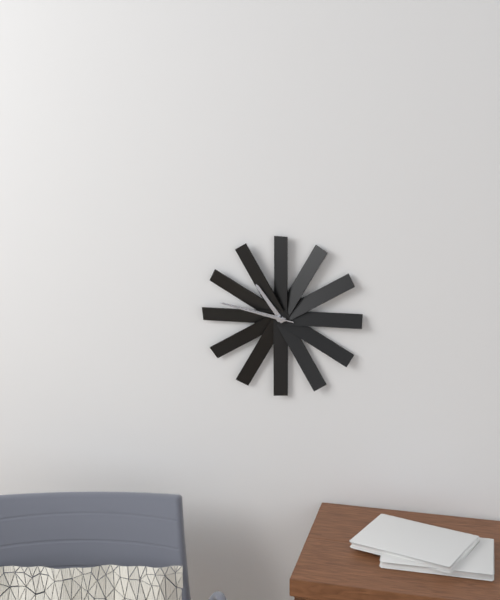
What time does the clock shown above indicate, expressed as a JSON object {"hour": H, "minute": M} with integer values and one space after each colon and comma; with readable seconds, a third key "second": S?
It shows {"hour": 10, "minute": 47, "second": 47}
